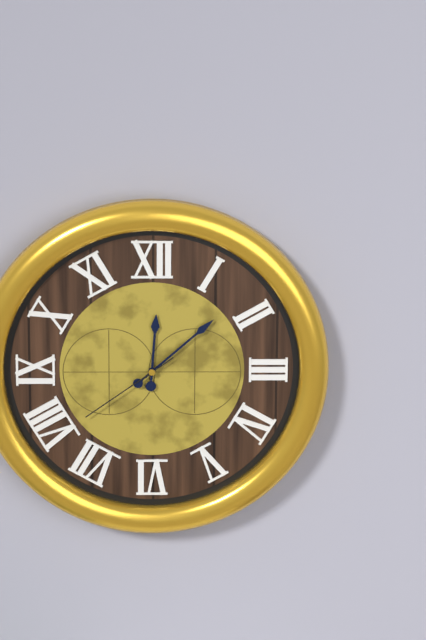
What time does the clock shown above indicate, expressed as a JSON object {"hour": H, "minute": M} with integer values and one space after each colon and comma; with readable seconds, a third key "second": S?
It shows {"hour": 12, "minute": 8, "second": 39}
